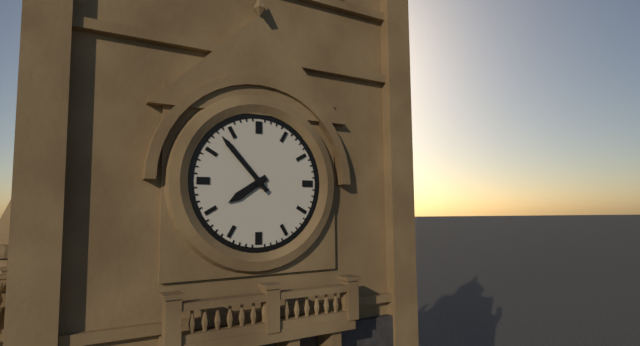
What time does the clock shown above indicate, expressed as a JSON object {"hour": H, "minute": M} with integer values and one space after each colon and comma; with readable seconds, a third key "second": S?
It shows {"hour": 7, "minute": 53}
